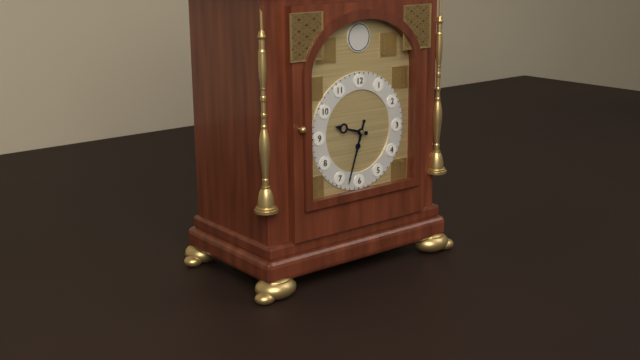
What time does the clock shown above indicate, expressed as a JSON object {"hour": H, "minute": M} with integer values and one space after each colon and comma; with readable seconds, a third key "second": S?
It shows {"hour": 9, "minute": 33}
